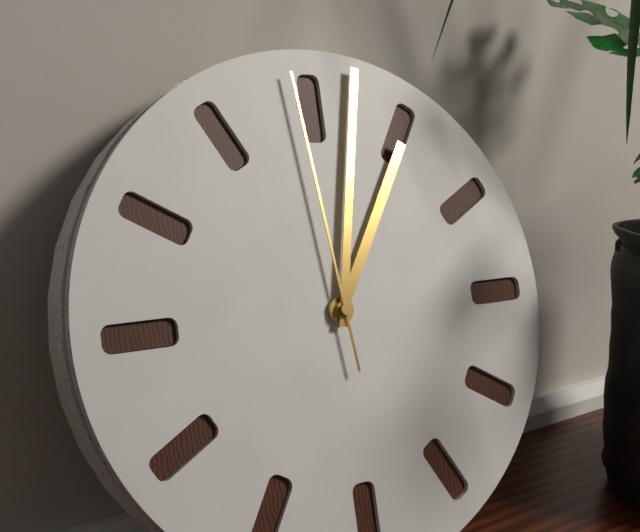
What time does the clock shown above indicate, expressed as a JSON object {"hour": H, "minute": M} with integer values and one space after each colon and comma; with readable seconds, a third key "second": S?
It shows {"hour": 1, "minute": 2, "second": 59}
